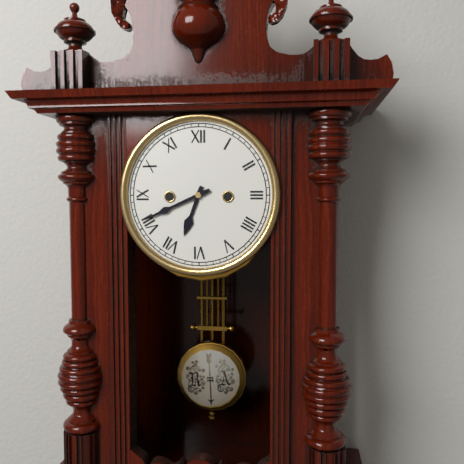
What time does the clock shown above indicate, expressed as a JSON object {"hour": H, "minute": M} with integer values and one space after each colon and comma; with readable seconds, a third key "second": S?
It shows {"hour": 6, "minute": 41}
